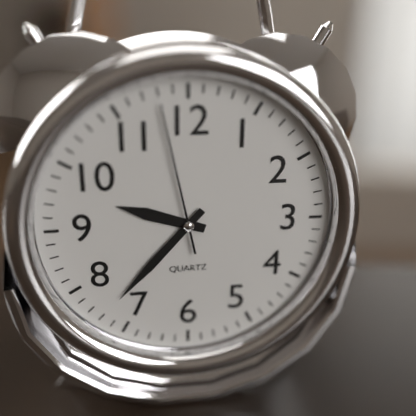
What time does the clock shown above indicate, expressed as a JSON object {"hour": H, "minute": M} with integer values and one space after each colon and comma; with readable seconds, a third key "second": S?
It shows {"hour": 9, "minute": 37, "second": 58}
